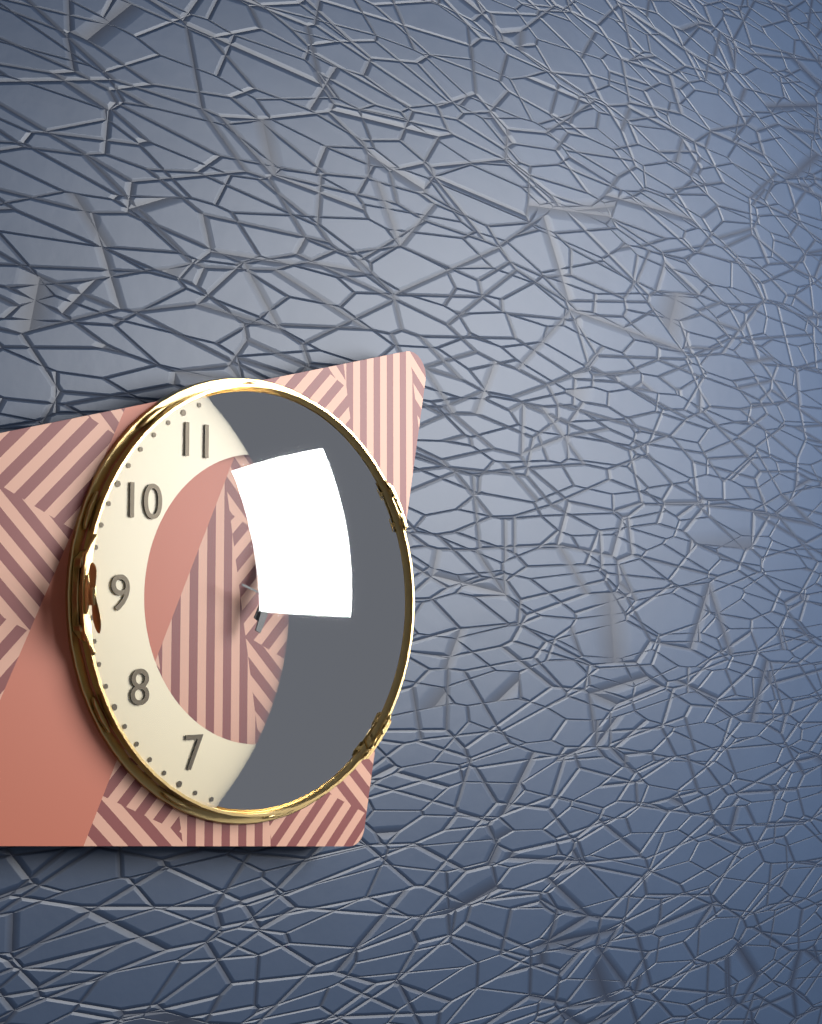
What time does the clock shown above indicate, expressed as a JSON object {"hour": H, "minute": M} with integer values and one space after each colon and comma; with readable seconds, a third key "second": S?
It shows {"hour": 1, "minute": 4, "second": 18}
